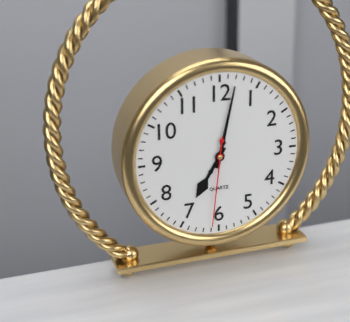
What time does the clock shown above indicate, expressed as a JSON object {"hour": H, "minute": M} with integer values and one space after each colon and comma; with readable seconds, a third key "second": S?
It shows {"hour": 7, "minute": 2, "second": 31}
